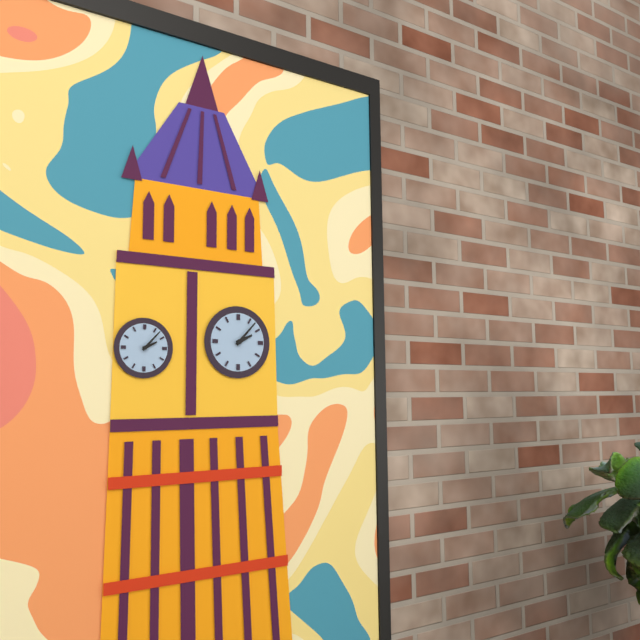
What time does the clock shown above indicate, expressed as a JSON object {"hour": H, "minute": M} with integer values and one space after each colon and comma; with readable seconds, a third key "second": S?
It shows {"hour": 2, "minute": 7}
